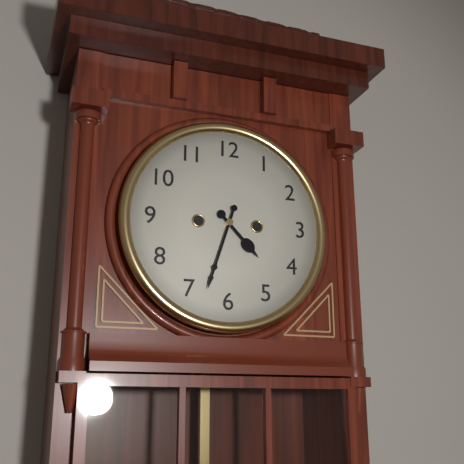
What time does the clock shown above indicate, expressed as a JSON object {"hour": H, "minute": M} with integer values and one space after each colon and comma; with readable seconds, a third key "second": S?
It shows {"hour": 4, "minute": 33}
